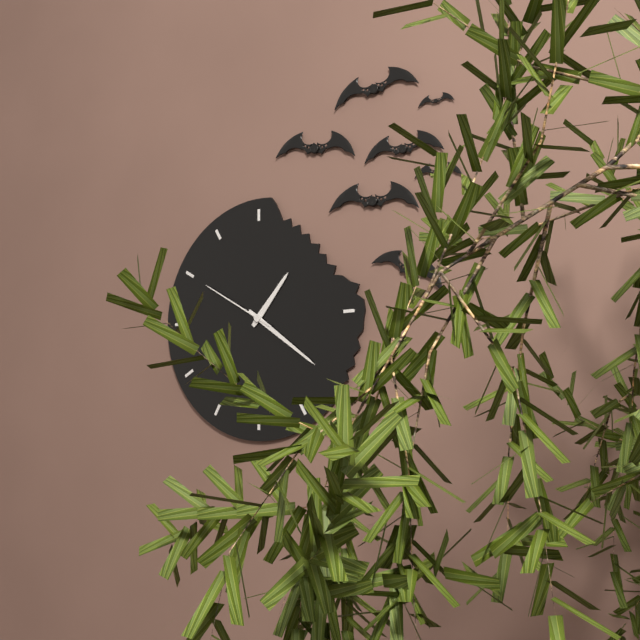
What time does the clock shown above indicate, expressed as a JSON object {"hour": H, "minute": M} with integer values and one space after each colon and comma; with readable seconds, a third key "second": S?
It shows {"hour": 1, "minute": 21, "second": 50}
